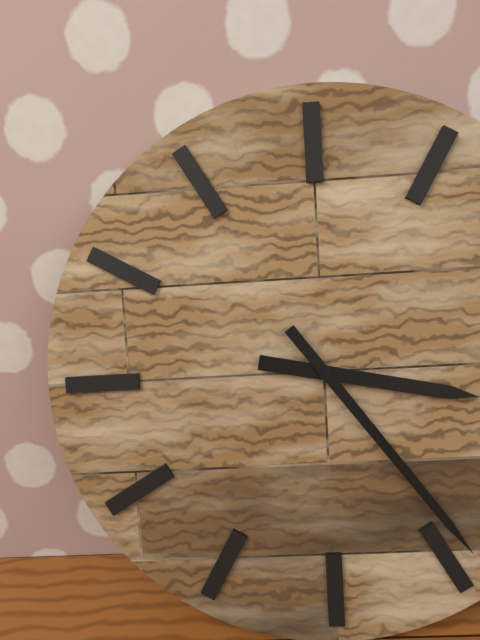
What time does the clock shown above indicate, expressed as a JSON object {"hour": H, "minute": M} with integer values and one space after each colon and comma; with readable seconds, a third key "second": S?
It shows {"hour": 3, "minute": 24}
